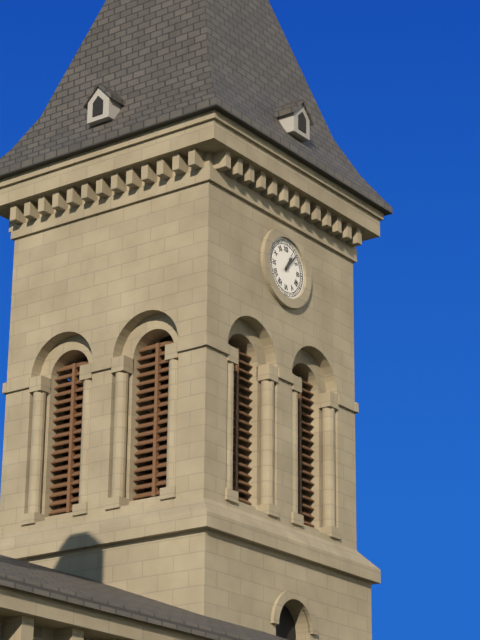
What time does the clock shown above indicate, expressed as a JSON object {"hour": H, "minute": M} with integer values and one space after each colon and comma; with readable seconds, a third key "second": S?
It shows {"hour": 1, "minute": 7}
